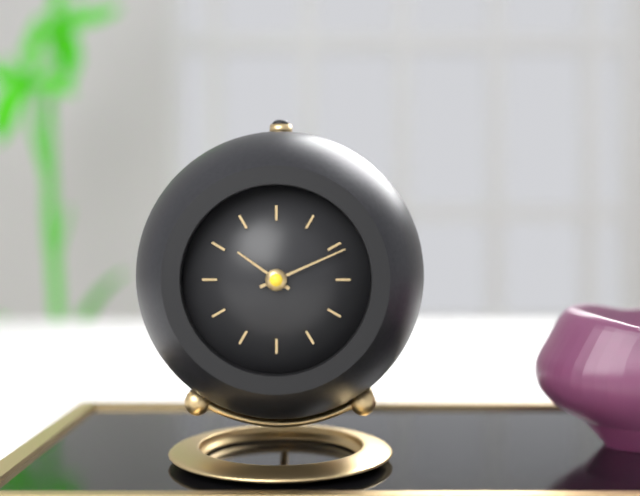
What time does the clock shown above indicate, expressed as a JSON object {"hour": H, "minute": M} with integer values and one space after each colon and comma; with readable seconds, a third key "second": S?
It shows {"hour": 10, "minute": 11}
